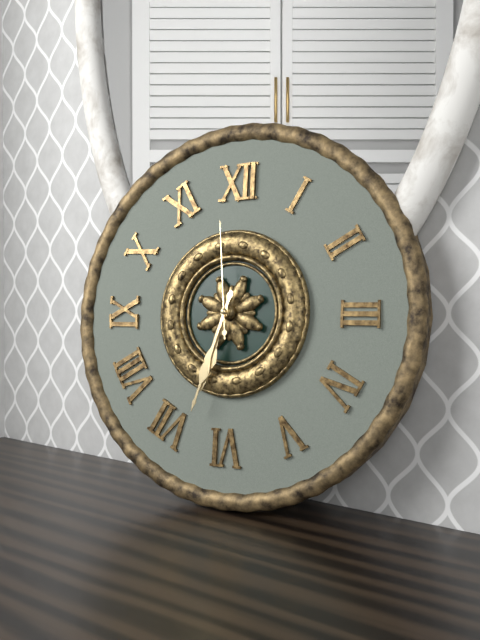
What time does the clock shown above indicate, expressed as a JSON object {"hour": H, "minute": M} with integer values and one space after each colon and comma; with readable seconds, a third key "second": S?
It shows {"hour": 6, "minute": 33, "second": 59}
